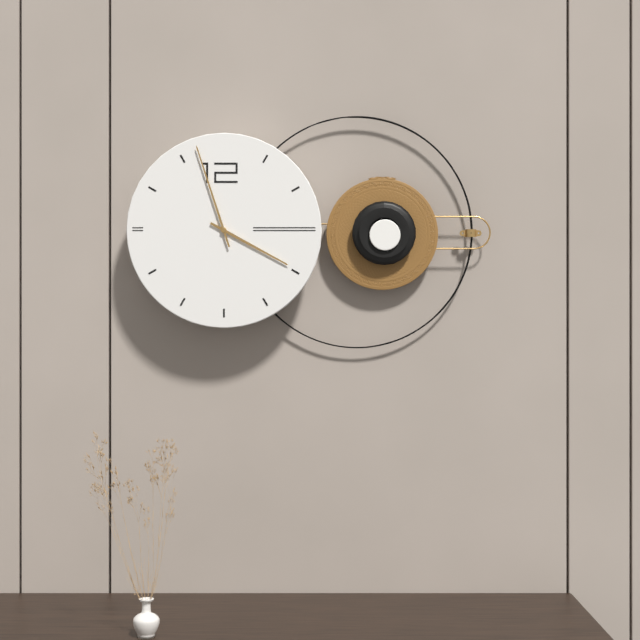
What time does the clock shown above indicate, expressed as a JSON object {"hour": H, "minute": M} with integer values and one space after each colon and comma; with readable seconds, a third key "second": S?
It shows {"hour": 3, "minute": 57}
